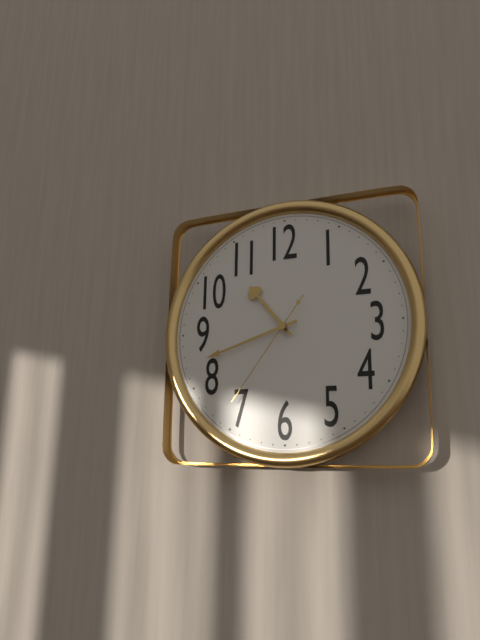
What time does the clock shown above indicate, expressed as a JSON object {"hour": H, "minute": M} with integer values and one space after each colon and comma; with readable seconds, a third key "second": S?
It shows {"hour": 10, "minute": 42, "second": 36}
